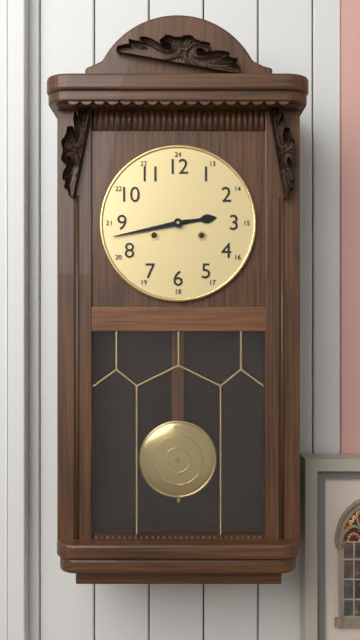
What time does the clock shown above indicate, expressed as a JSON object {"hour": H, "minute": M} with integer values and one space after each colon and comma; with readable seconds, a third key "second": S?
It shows {"hour": 2, "minute": 43}
